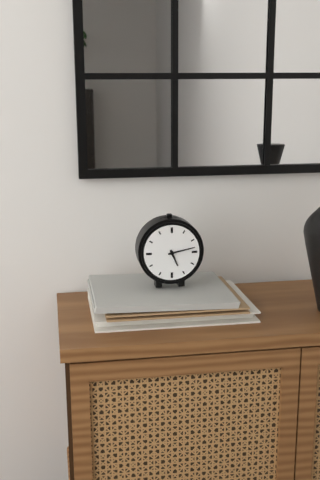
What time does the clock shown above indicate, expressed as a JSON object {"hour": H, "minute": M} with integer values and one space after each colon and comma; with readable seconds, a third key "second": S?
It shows {"hour": 5, "minute": 13}
